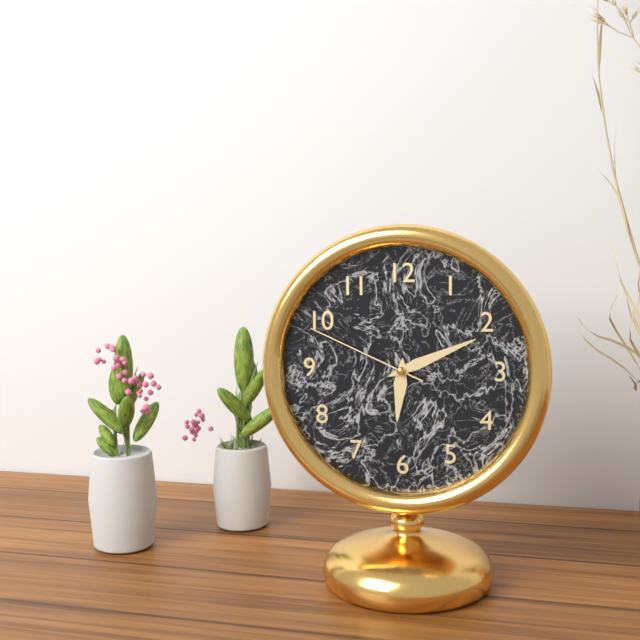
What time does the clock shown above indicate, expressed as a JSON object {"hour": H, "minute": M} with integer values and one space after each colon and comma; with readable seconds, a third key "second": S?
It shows {"hour": 6, "minute": 11, "second": 49}
